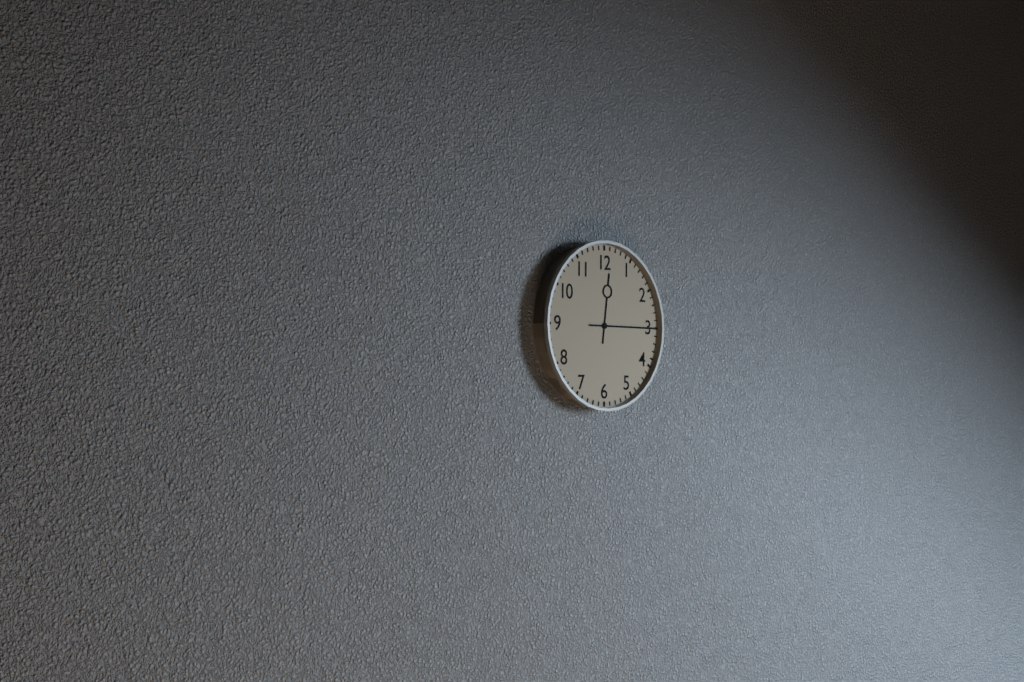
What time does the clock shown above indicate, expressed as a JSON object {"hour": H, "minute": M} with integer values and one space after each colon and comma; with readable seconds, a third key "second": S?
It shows {"hour": 12, "minute": 15}
